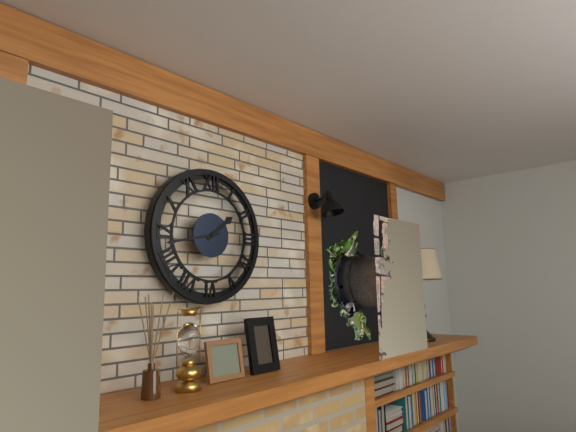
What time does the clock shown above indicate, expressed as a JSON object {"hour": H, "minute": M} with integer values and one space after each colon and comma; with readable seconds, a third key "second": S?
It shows {"hour": 1, "minute": 43}
